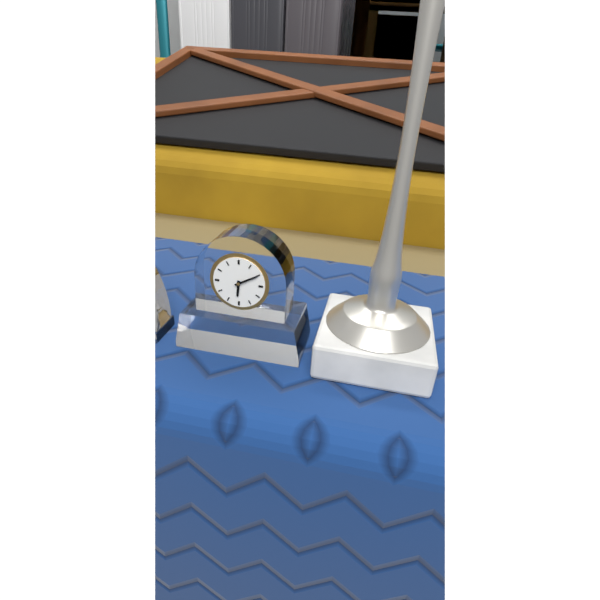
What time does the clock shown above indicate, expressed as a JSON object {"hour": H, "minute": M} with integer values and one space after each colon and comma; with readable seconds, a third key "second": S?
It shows {"hour": 6, "minute": 10}
